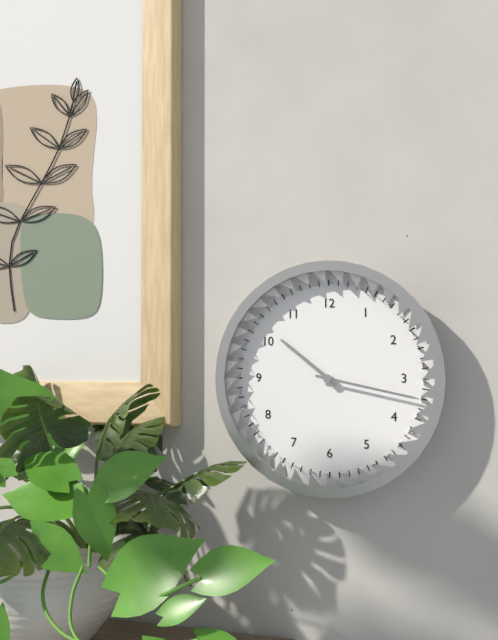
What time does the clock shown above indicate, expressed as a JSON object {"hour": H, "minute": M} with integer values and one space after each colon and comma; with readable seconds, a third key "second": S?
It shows {"hour": 10, "minute": 17}
